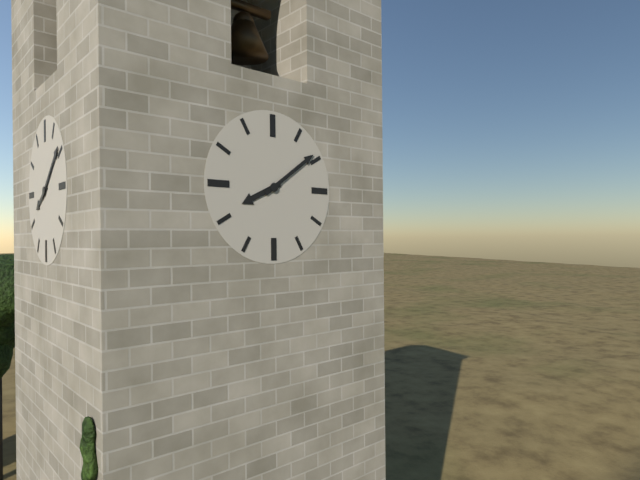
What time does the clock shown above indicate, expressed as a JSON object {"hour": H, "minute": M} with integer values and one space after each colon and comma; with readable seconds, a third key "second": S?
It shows {"hour": 8, "minute": 9}
